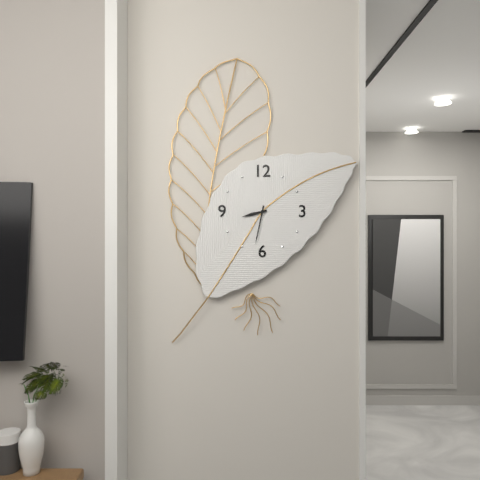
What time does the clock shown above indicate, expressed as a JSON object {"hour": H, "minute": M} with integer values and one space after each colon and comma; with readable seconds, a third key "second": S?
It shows {"hour": 8, "minute": 32}
